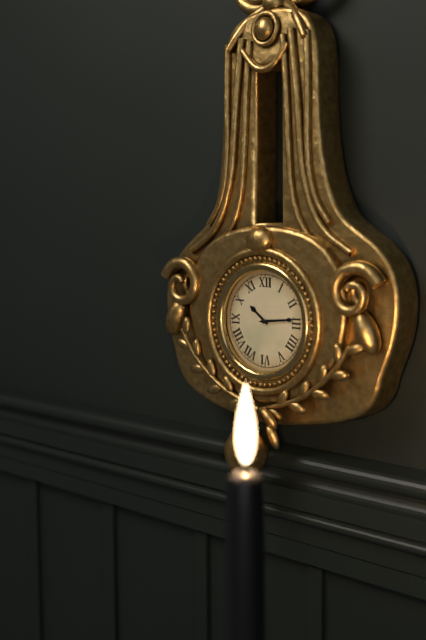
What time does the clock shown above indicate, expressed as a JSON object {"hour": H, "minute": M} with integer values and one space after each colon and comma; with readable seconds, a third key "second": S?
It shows {"hour": 10, "minute": 14}
